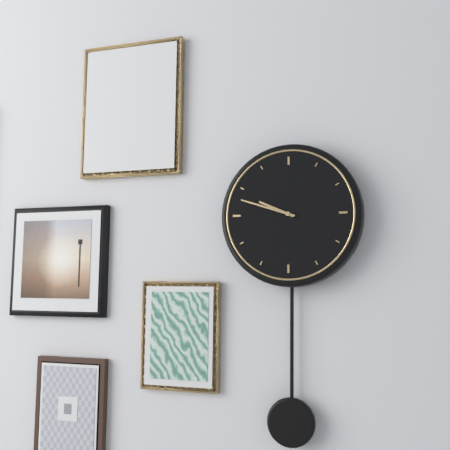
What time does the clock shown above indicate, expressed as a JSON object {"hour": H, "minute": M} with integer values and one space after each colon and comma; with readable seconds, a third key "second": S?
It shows {"hour": 9, "minute": 48}
